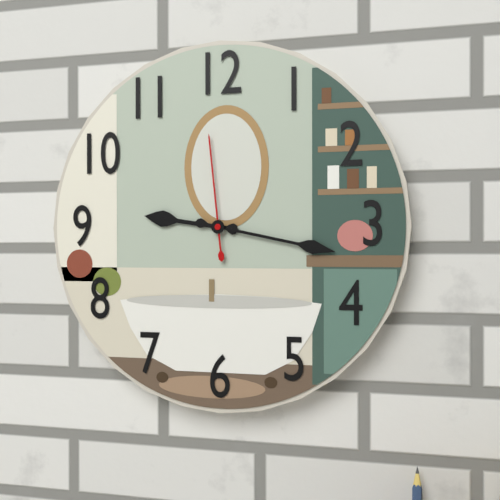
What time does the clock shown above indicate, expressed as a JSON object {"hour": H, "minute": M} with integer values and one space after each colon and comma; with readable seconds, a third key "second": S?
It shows {"hour": 9, "minute": 17, "second": 59}
